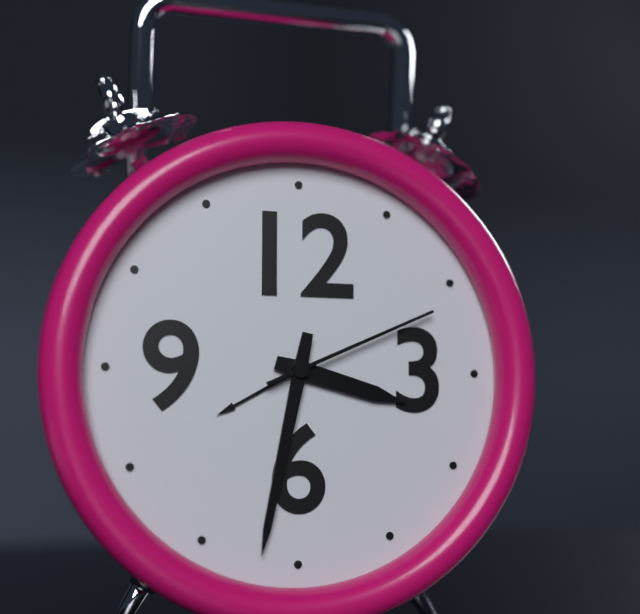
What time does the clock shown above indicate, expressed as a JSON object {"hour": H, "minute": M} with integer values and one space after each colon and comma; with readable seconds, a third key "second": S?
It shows {"hour": 3, "minute": 32, "second": 11}
